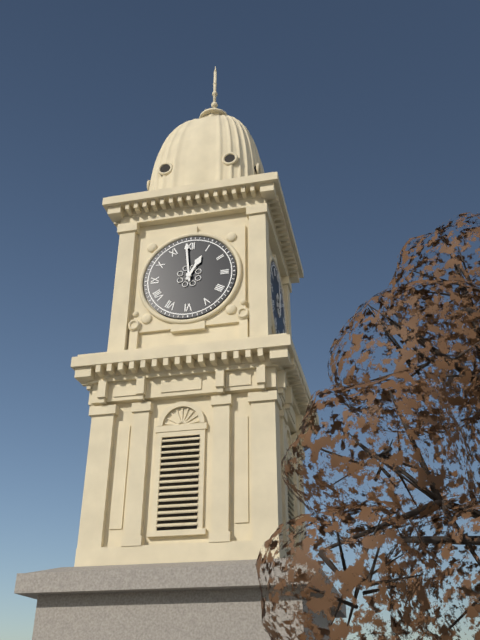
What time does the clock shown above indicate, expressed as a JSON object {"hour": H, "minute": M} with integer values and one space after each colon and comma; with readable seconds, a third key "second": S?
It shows {"hour": 12, "minute": 59}
